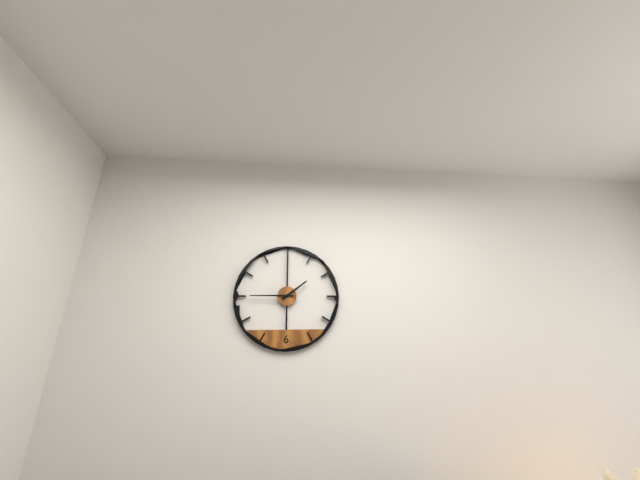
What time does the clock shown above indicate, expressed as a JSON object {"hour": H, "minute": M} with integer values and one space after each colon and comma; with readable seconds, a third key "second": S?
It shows {"hour": 1, "minute": 45}
